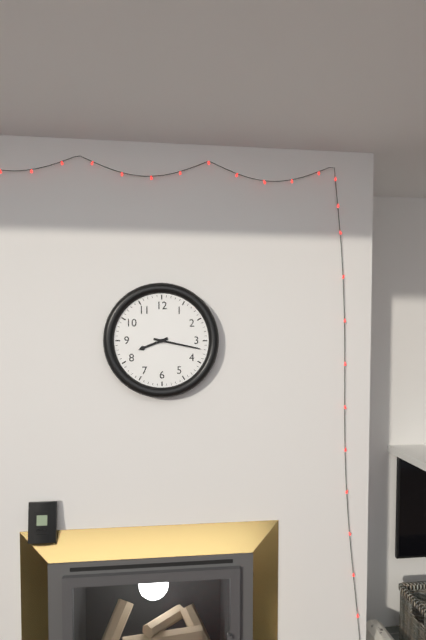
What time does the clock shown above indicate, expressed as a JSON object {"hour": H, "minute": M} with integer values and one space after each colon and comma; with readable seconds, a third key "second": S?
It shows {"hour": 8, "minute": 17}
